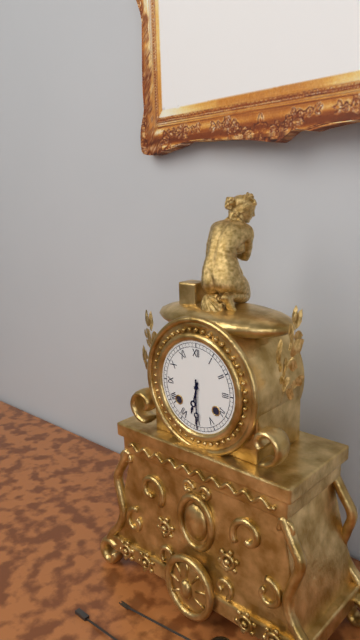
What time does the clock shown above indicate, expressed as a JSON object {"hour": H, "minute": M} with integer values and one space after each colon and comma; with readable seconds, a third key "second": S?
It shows {"hour": 6, "minute": 30}
